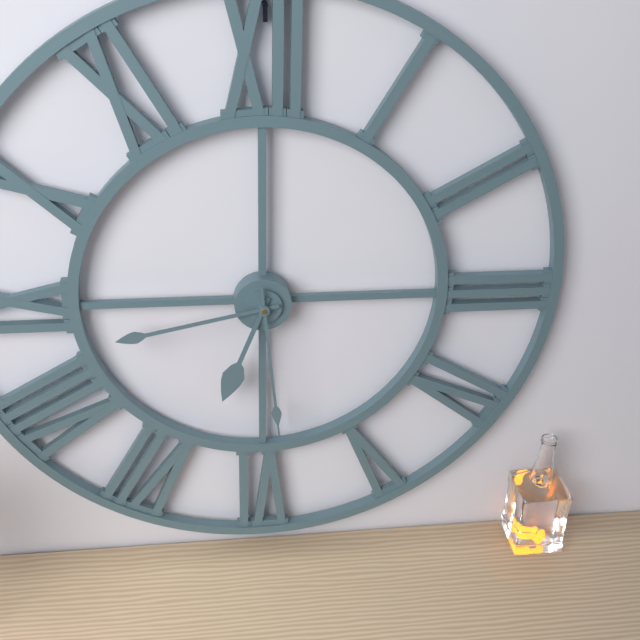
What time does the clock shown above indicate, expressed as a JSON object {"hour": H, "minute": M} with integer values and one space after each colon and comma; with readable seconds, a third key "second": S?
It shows {"hour": 6, "minute": 43, "second": 29}
